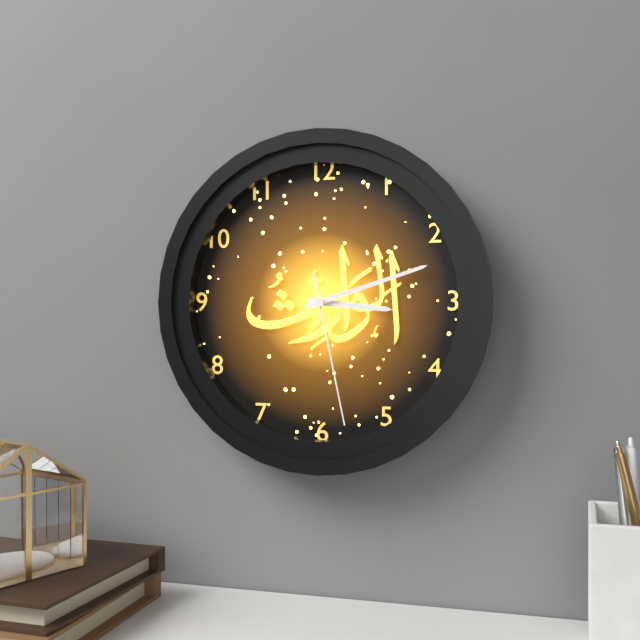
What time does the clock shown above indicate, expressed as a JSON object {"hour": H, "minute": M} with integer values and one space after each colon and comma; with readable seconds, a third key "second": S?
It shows {"hour": 3, "minute": 12, "second": 28}
